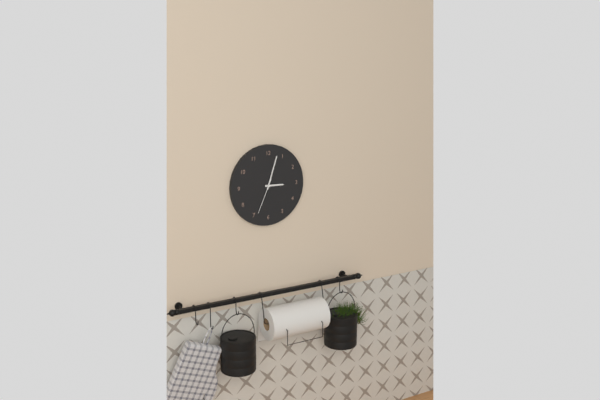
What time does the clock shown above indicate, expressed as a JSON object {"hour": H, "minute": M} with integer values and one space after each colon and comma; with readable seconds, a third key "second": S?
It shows {"hour": 3, "minute": 3}
